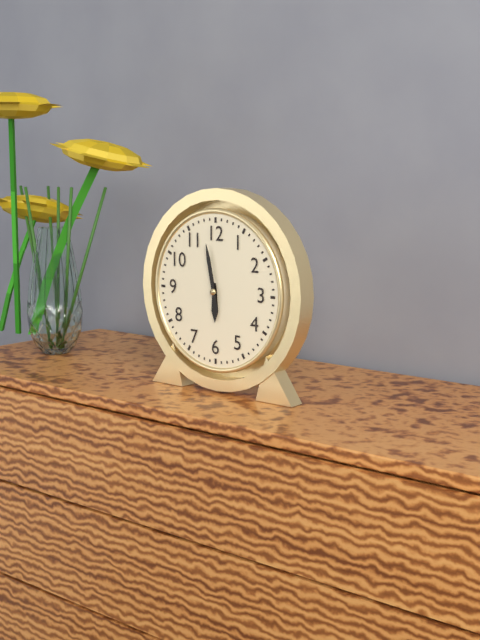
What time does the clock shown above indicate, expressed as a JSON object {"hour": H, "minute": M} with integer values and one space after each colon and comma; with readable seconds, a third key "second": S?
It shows {"hour": 5, "minute": 58}
